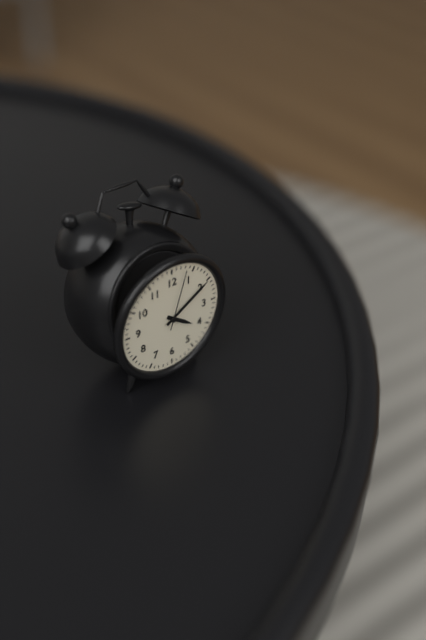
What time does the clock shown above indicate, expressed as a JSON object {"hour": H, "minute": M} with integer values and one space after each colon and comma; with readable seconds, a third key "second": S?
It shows {"hour": 4, "minute": 10, "second": 3}
